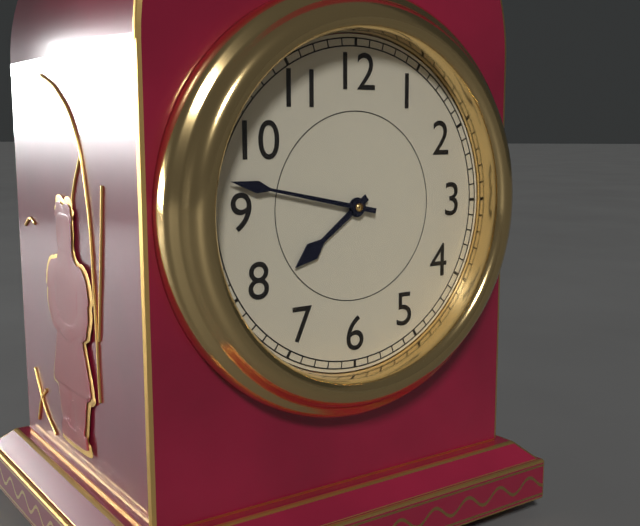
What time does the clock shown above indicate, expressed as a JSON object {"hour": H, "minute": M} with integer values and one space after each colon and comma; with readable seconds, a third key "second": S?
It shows {"hour": 7, "minute": 47}
